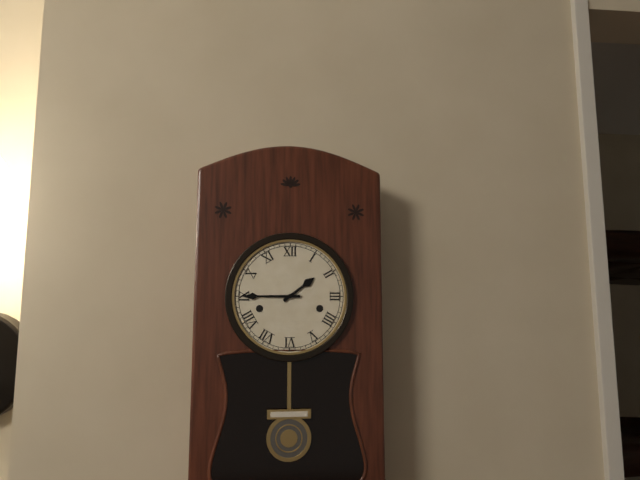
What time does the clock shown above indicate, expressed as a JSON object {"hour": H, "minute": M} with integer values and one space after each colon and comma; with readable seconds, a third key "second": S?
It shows {"hour": 1, "minute": 45}
